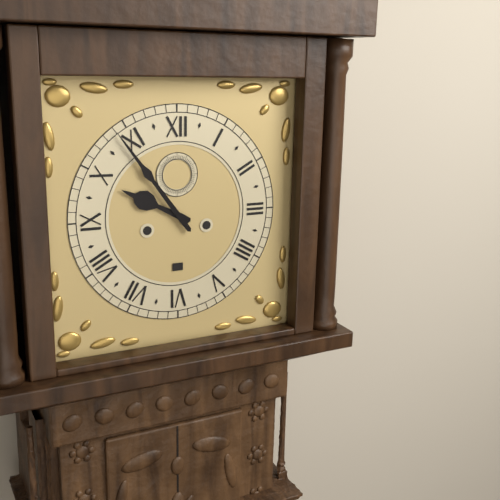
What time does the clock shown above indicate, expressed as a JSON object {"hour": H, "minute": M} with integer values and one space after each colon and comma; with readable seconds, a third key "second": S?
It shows {"hour": 9, "minute": 54}
